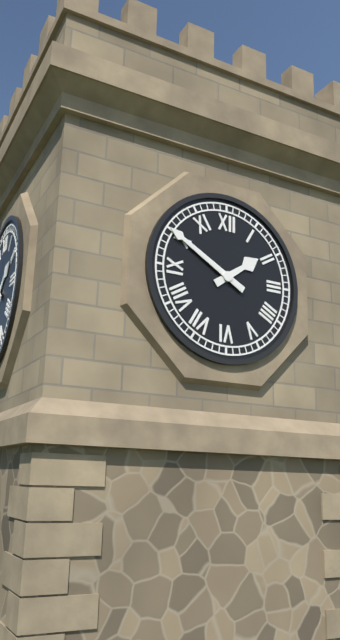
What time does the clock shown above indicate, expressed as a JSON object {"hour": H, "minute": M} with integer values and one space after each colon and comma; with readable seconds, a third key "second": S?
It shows {"hour": 1, "minute": 50}
